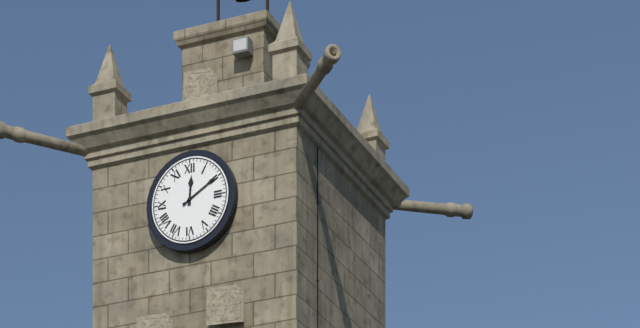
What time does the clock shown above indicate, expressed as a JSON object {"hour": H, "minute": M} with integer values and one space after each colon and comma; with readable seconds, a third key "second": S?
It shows {"hour": 12, "minute": 10}
